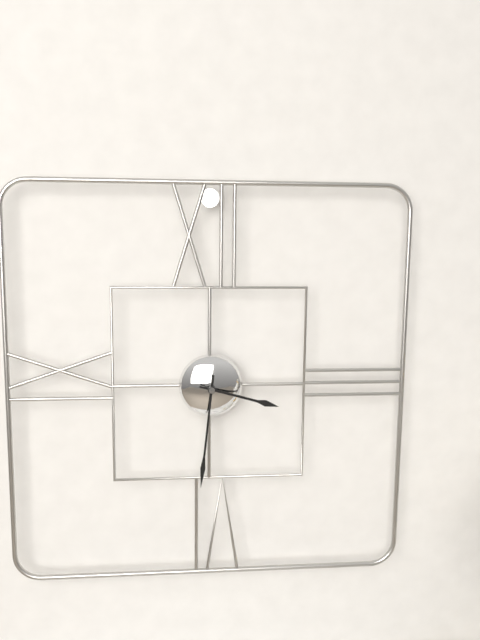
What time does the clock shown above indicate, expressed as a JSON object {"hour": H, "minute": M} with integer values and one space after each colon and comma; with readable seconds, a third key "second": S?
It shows {"hour": 3, "minute": 31}
